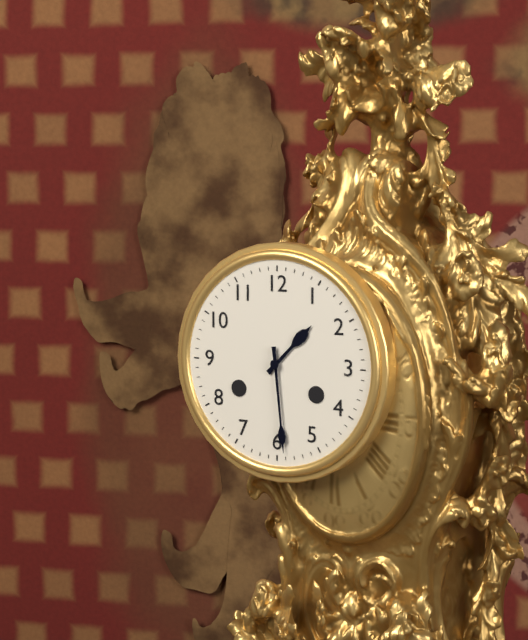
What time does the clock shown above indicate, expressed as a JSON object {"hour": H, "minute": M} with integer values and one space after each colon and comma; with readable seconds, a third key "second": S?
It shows {"hour": 1, "minute": 29}
